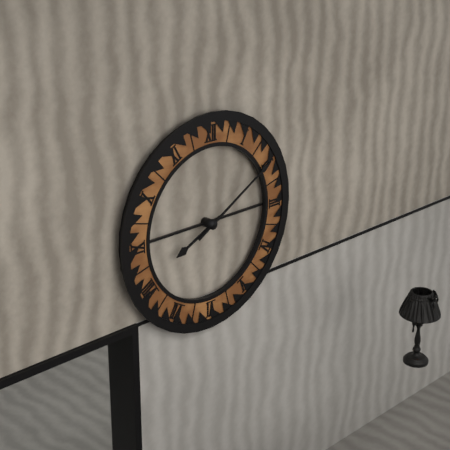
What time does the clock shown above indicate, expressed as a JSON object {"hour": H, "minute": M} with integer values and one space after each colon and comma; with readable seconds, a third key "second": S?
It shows {"hour": 8, "minute": 10}
